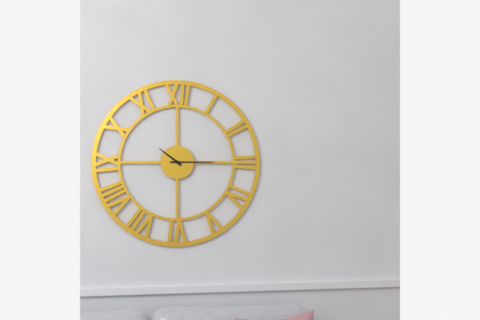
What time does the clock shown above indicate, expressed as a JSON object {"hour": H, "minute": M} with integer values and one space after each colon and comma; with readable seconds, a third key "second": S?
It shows {"hour": 10, "minute": 15}
